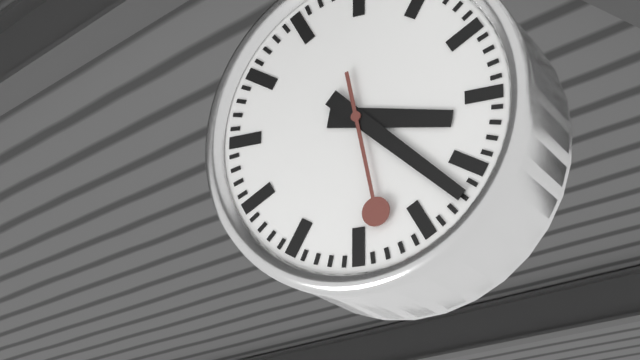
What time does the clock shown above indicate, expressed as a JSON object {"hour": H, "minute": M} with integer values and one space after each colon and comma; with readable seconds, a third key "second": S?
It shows {"hour": 3, "minute": 22, "second": 28}
